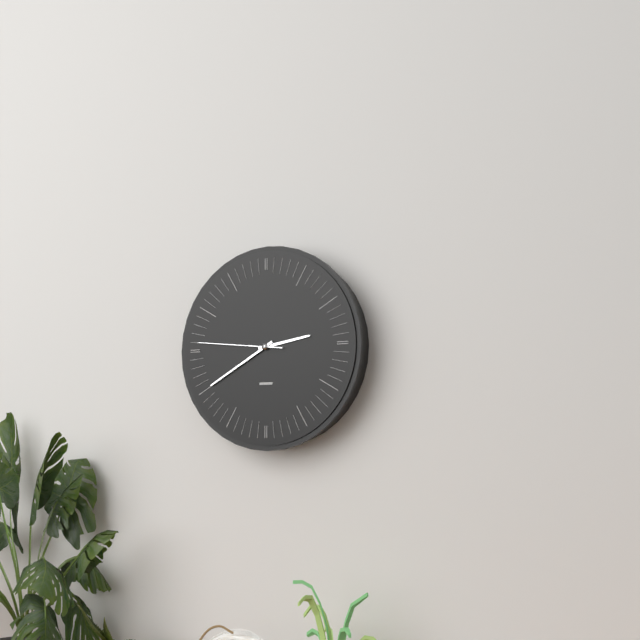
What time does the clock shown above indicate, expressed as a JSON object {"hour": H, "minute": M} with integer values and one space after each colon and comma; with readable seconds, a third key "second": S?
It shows {"hour": 2, "minute": 40, "second": 46}
